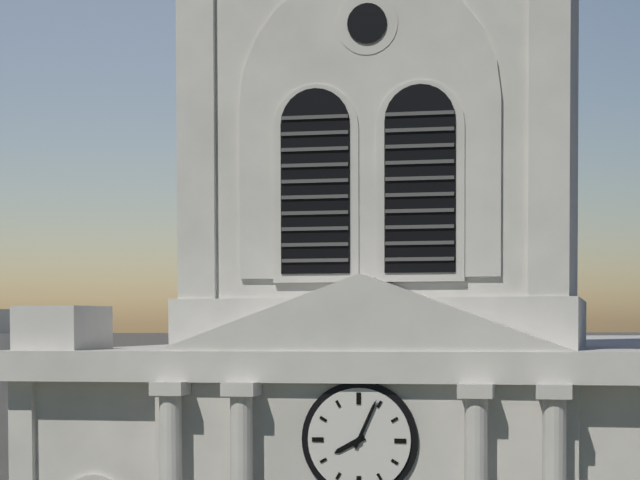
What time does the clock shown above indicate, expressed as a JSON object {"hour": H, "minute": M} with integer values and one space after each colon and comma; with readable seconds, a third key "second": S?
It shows {"hour": 8, "minute": 4}
